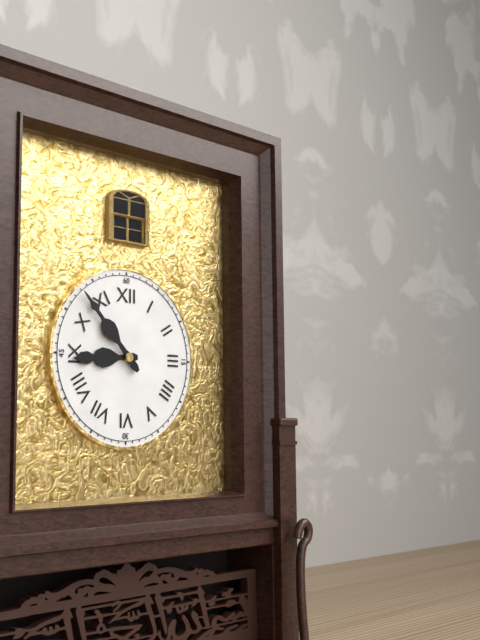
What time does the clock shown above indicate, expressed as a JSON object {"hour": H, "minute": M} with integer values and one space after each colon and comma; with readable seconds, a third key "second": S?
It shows {"hour": 8, "minute": 53}
